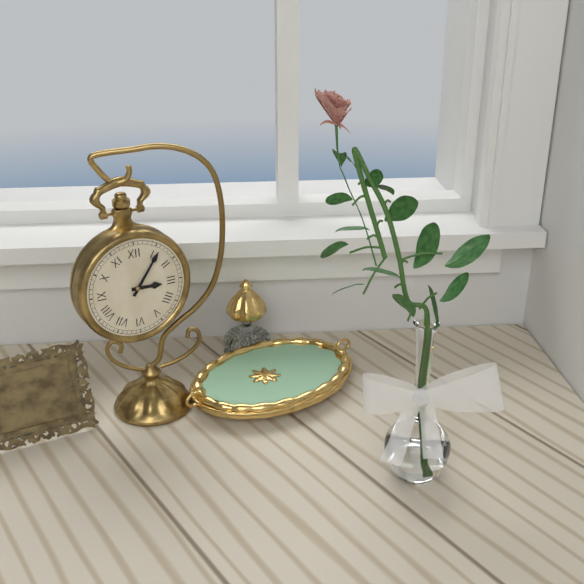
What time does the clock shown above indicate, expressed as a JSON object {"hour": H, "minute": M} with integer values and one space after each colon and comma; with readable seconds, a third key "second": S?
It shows {"hour": 3, "minute": 6}
